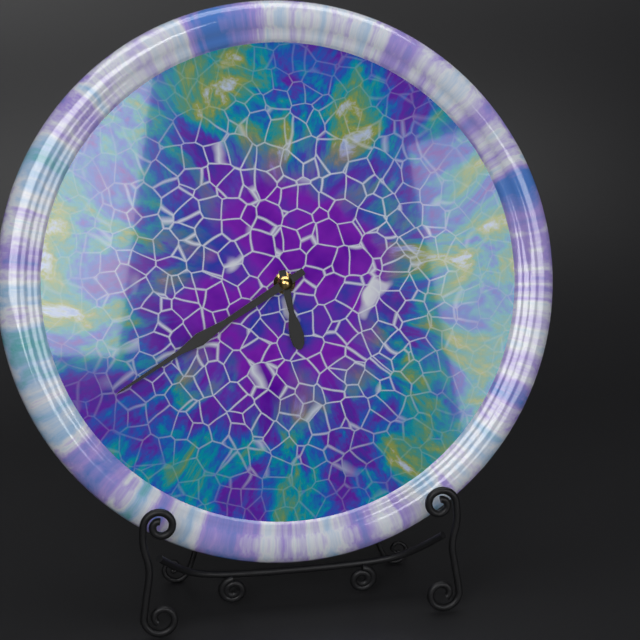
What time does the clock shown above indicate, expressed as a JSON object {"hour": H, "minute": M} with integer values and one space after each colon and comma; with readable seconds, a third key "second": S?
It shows {"hour": 5, "minute": 40}
